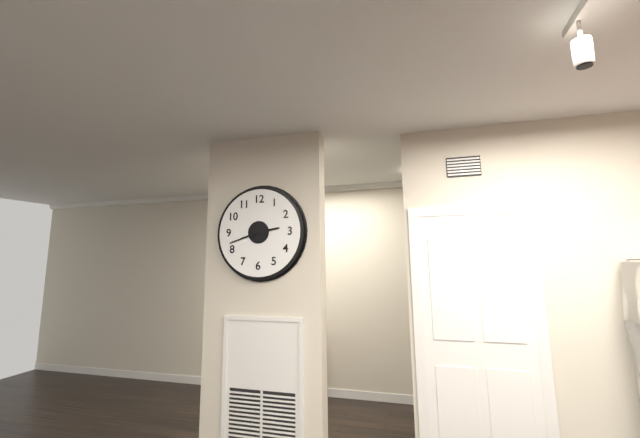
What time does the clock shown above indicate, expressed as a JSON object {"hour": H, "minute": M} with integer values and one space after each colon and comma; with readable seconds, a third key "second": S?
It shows {"hour": 2, "minute": 42}
